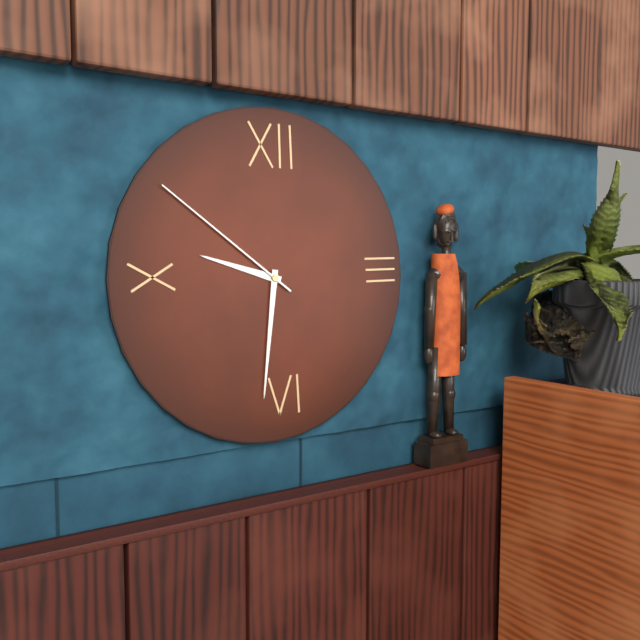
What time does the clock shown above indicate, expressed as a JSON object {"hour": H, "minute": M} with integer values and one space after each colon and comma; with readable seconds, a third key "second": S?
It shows {"hour": 9, "minute": 31, "second": 51}
